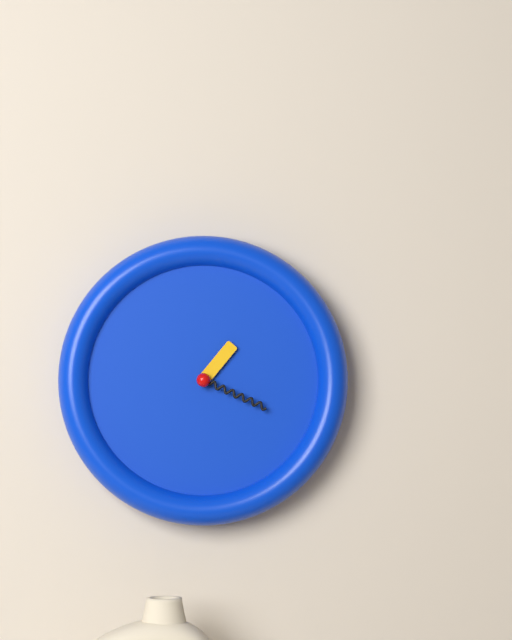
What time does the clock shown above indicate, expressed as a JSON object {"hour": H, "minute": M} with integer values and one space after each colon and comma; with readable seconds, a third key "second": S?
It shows {"hour": 1, "minute": 19}
